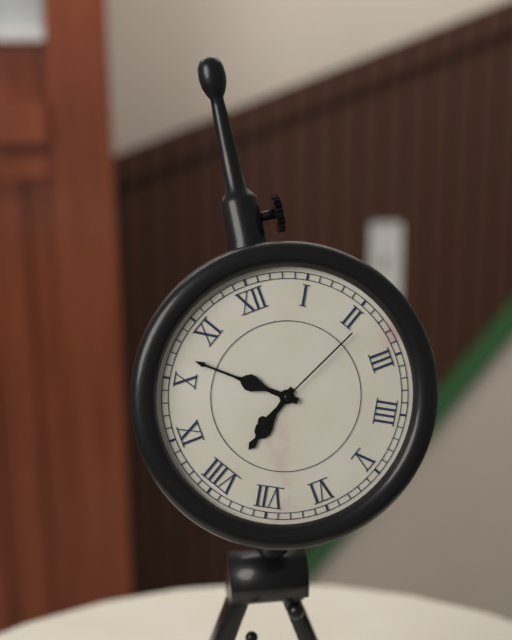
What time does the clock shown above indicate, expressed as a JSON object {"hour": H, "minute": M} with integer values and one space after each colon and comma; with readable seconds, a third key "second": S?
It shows {"hour": 7, "minute": 52, "second": 11}
